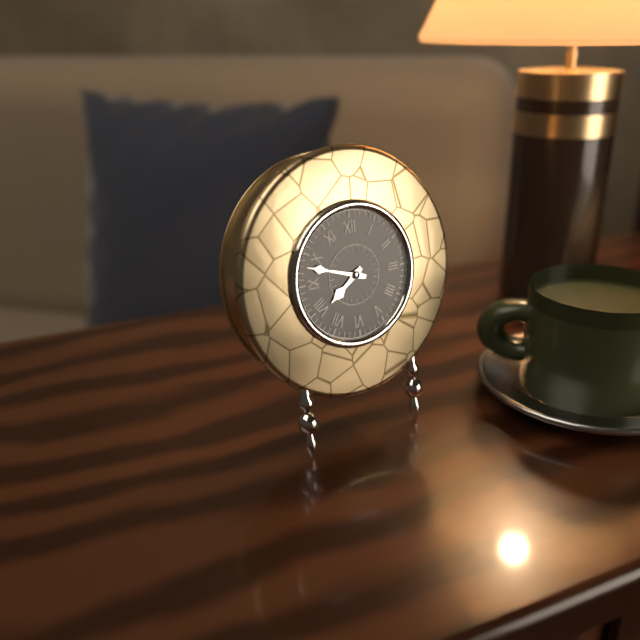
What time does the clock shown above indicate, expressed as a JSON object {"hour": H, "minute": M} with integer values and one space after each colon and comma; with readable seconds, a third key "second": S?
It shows {"hour": 7, "minute": 48}
